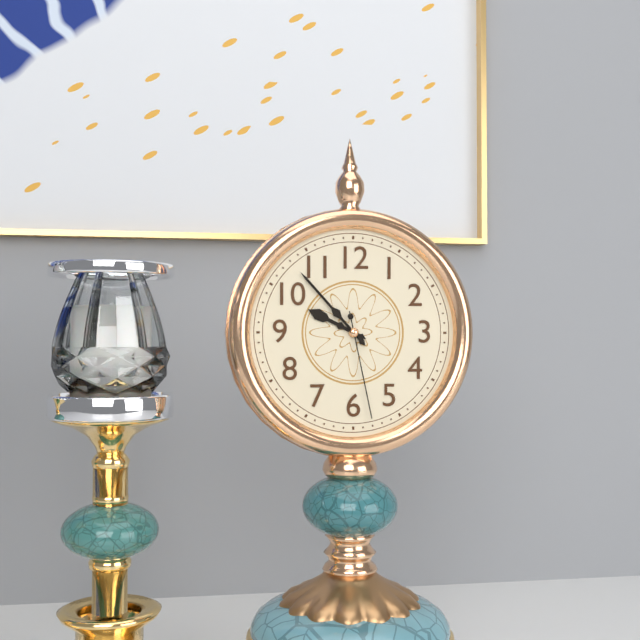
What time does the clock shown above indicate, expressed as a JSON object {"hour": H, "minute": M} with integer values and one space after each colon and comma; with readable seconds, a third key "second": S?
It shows {"hour": 9, "minute": 53, "second": 28}
